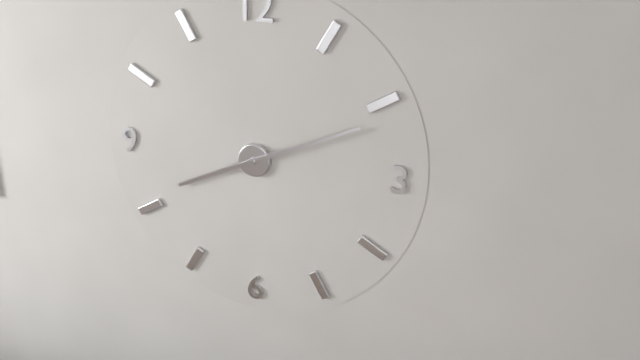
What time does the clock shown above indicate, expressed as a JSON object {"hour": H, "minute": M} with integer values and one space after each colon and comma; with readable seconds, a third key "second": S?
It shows {"hour": 8, "minute": 11}
